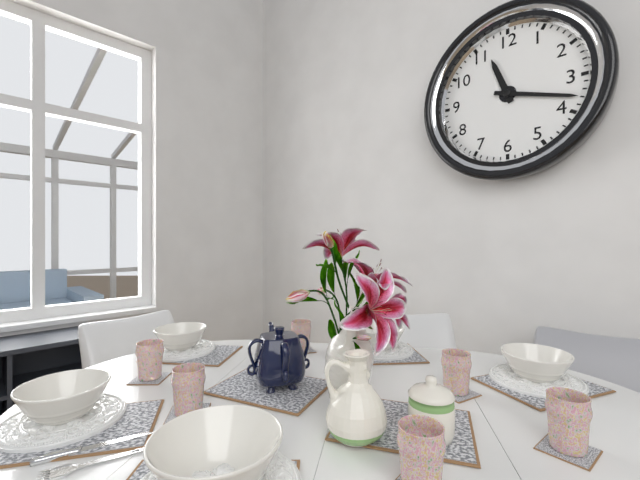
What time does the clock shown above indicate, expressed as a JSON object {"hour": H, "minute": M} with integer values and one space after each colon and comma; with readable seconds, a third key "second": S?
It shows {"hour": 11, "minute": 18}
